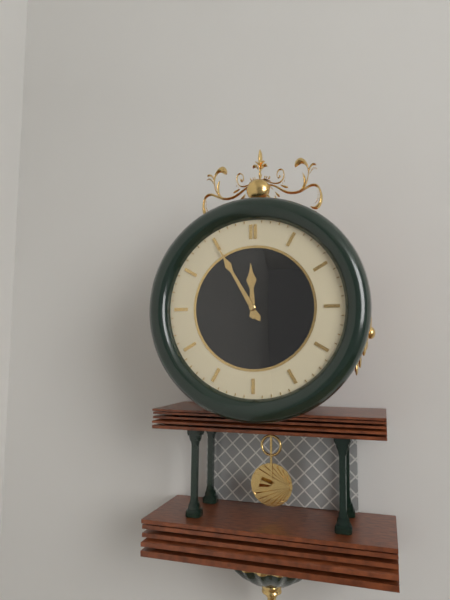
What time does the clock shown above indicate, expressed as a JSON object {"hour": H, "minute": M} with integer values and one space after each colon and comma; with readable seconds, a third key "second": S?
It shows {"hour": 11, "minute": 55}
